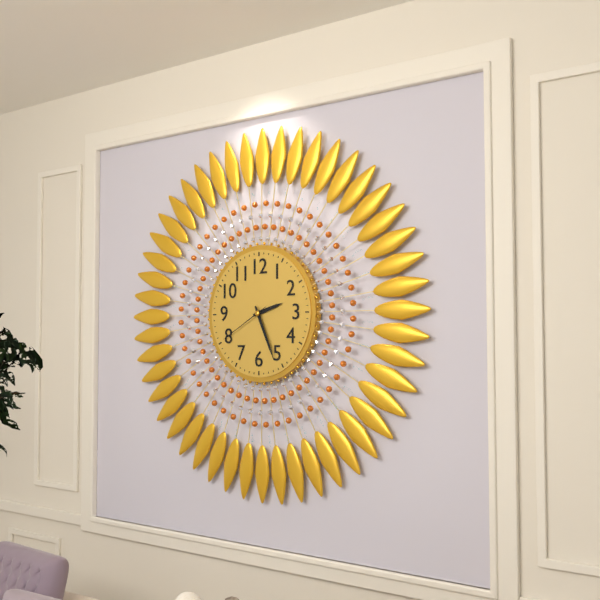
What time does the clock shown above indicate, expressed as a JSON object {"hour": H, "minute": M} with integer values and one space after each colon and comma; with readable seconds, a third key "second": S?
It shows {"hour": 2, "minute": 26, "second": 40}
